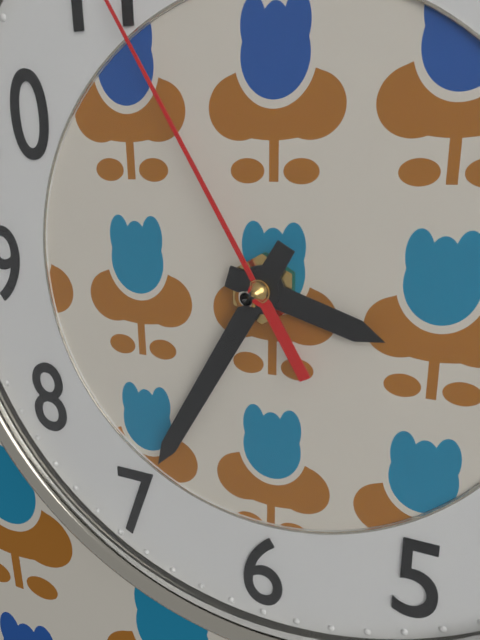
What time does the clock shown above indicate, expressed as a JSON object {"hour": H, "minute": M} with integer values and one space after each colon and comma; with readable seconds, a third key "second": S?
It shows {"hour": 3, "minute": 35}
